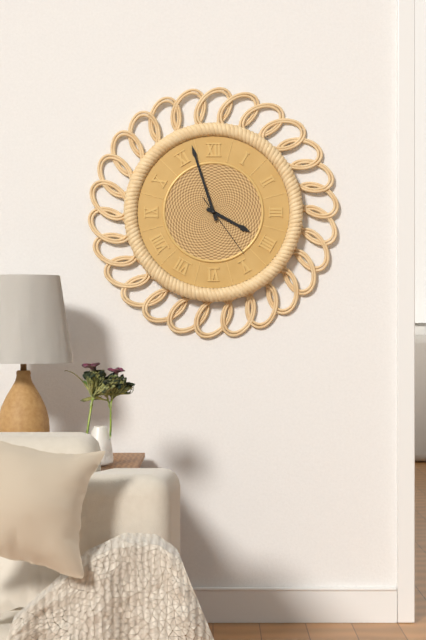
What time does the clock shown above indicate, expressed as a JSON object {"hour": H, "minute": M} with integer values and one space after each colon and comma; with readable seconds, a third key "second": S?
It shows {"hour": 3, "minute": 57, "second": 24}
